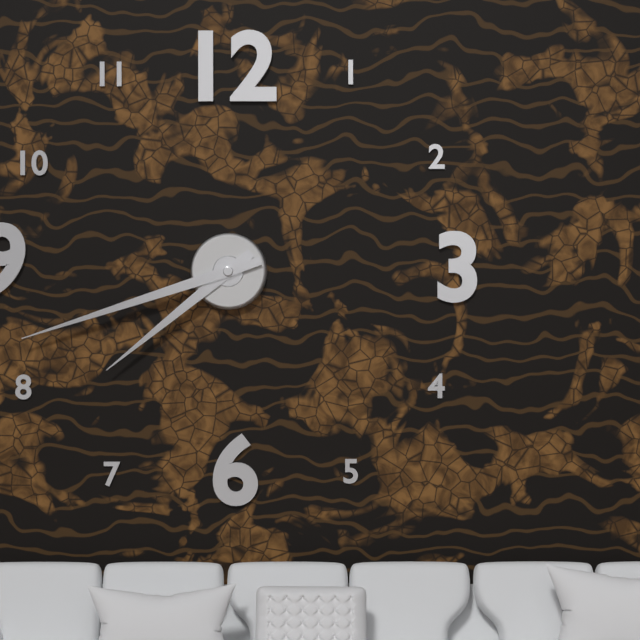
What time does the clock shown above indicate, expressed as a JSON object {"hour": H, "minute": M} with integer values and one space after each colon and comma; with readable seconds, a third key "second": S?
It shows {"hour": 7, "minute": 42}
